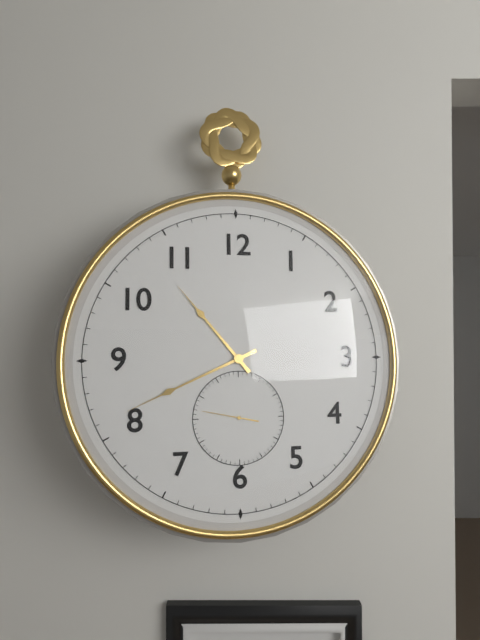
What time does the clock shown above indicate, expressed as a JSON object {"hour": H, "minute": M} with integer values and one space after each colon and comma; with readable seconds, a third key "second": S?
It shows {"hour": 10, "minute": 41}
